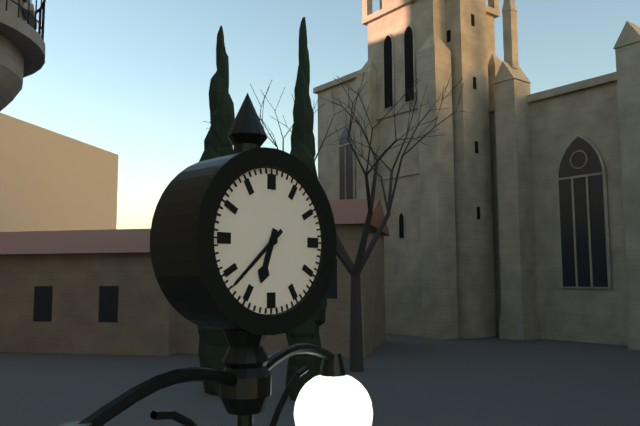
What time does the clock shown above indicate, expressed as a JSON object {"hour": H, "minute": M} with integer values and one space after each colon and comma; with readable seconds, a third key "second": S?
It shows {"hour": 6, "minute": 38}
